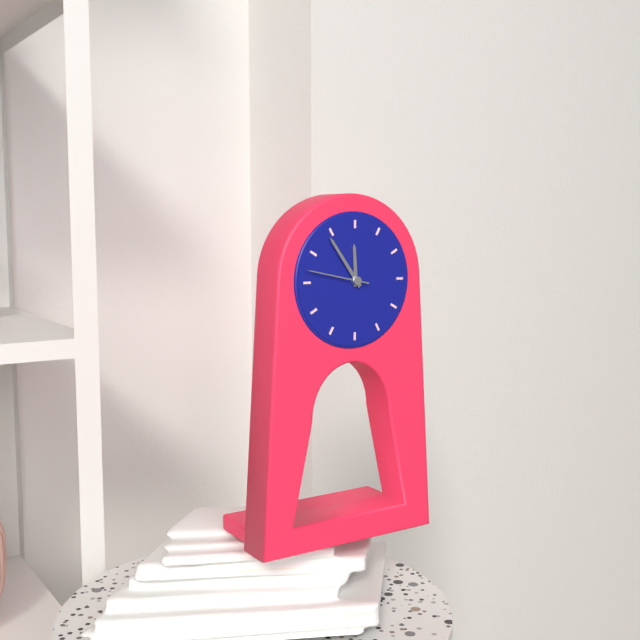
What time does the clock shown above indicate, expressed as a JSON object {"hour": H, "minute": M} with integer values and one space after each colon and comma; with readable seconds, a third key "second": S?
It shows {"hour": 11, "minute": 54}
